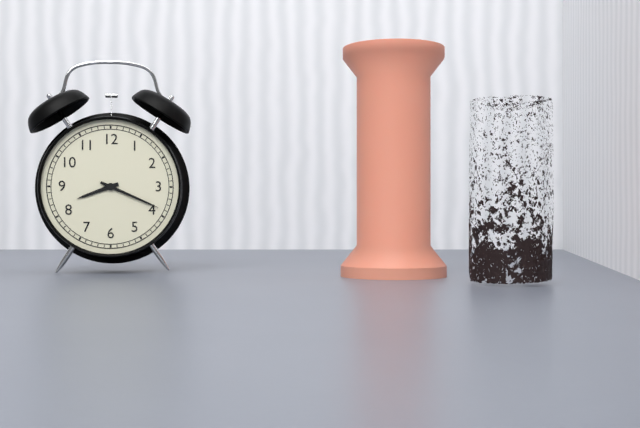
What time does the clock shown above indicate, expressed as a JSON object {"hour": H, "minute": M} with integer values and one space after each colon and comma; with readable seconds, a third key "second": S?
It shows {"hour": 8, "minute": 19}
